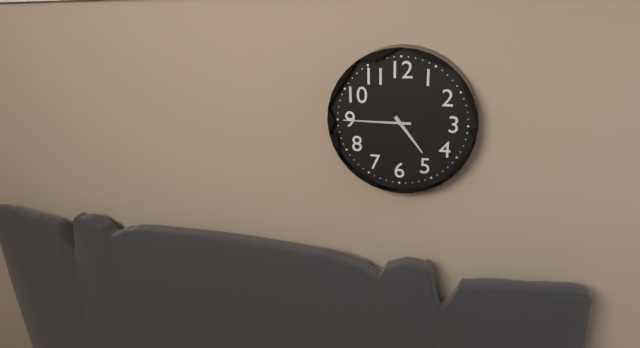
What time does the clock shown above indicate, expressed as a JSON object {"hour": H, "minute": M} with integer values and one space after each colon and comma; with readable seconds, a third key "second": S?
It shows {"hour": 4, "minute": 45}
